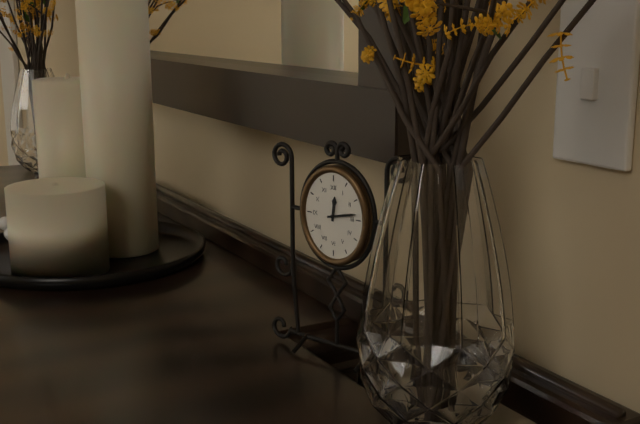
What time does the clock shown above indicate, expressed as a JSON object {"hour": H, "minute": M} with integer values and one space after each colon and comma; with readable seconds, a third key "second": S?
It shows {"hour": 12, "minute": 13}
